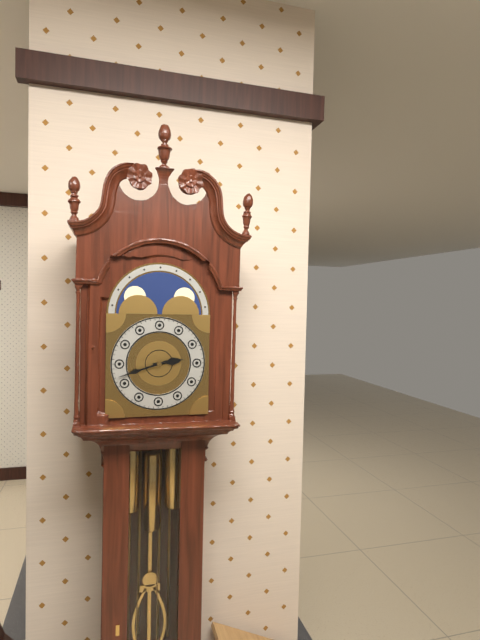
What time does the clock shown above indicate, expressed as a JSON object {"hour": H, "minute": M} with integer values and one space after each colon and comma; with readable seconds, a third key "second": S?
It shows {"hour": 2, "minute": 42}
